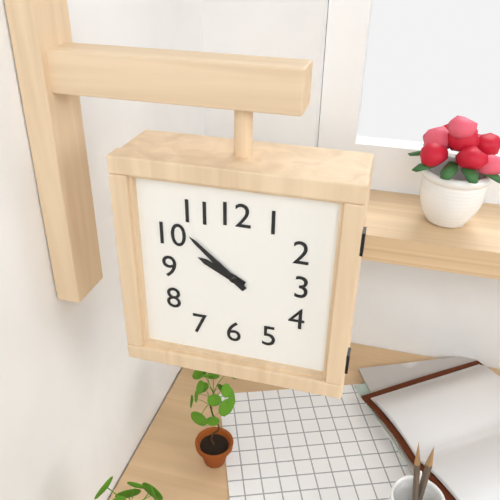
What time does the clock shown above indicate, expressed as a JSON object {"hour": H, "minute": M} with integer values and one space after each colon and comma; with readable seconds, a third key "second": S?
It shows {"hour": 9, "minute": 52}
